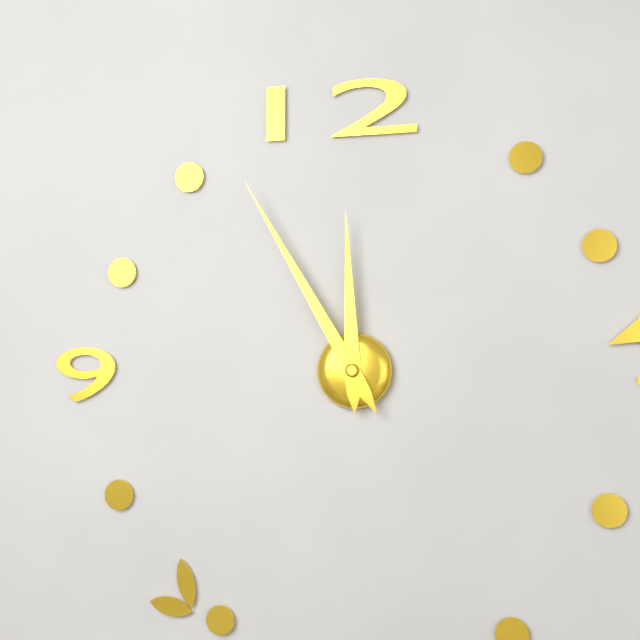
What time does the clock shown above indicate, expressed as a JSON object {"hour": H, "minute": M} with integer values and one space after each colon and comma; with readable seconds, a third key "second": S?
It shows {"hour": 11, "minute": 55}
